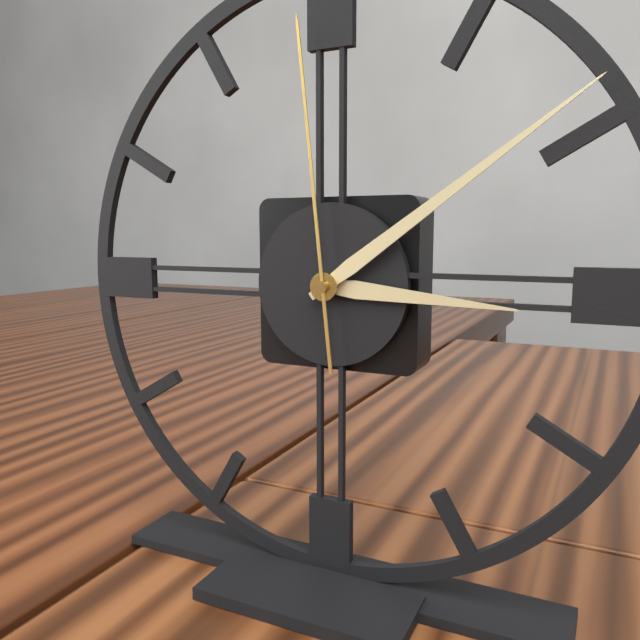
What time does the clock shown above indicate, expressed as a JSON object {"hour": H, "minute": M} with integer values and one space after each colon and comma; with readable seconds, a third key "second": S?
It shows {"hour": 3, "minute": 9, "second": 59}
